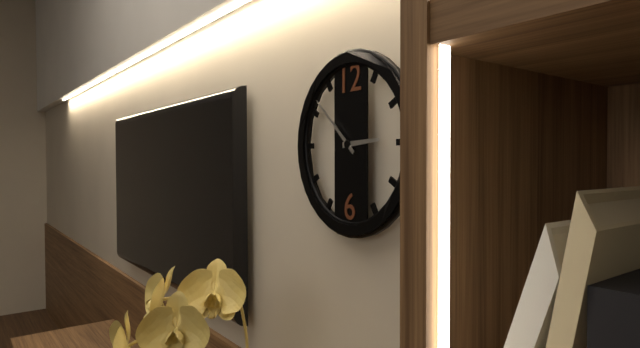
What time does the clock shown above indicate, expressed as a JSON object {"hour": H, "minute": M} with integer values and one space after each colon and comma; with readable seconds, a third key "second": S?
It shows {"hour": 2, "minute": 52}
